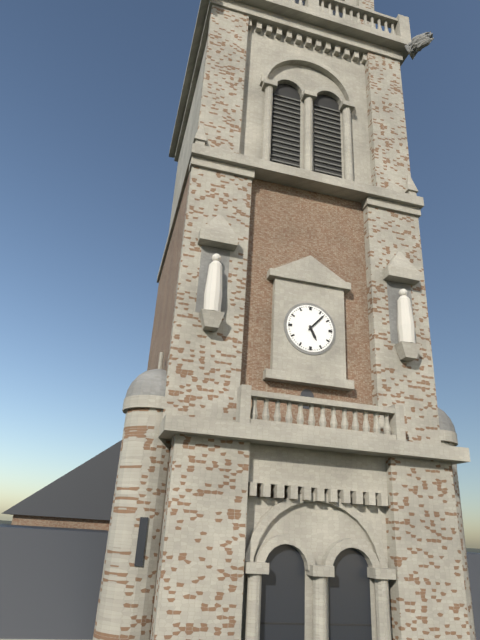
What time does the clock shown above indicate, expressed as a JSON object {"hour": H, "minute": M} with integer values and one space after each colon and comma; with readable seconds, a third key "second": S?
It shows {"hour": 5, "minute": 7}
